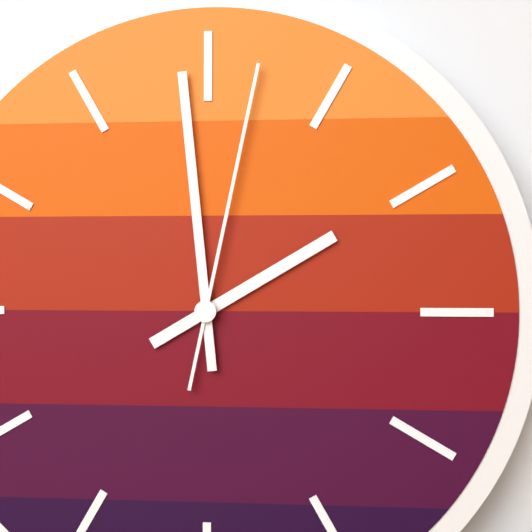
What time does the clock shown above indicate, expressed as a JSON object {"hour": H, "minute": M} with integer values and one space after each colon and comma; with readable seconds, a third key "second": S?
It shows {"hour": 1, "minute": 59, "second": 2}
